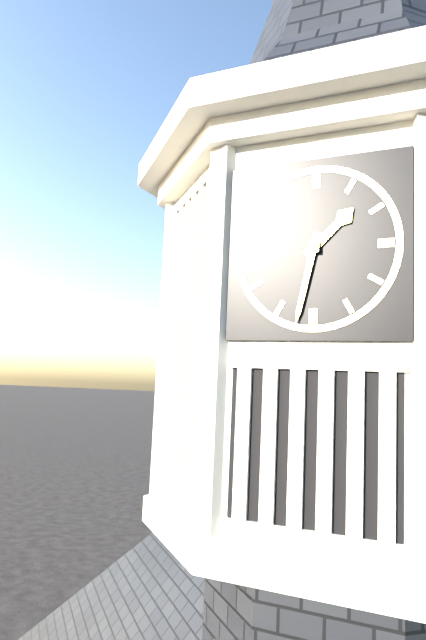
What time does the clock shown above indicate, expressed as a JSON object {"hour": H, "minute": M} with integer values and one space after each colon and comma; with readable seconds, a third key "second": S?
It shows {"hour": 1, "minute": 32}
